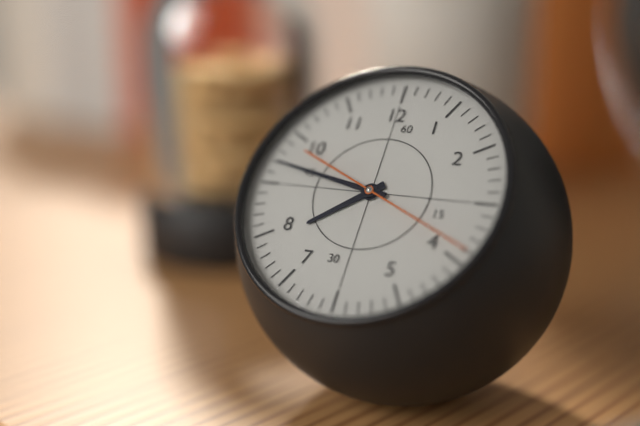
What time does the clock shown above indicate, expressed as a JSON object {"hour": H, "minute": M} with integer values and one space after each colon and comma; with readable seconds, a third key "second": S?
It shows {"hour": 7, "minute": 47, "second": 19}
